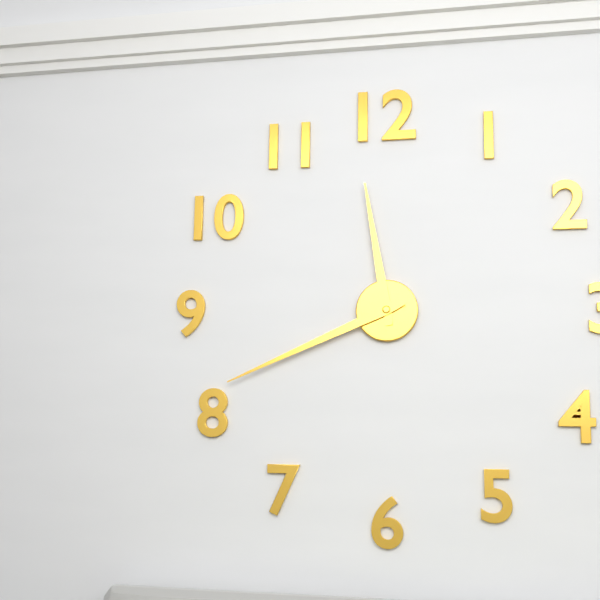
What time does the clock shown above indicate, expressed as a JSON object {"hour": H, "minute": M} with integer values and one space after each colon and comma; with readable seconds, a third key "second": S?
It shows {"hour": 11, "minute": 41}
